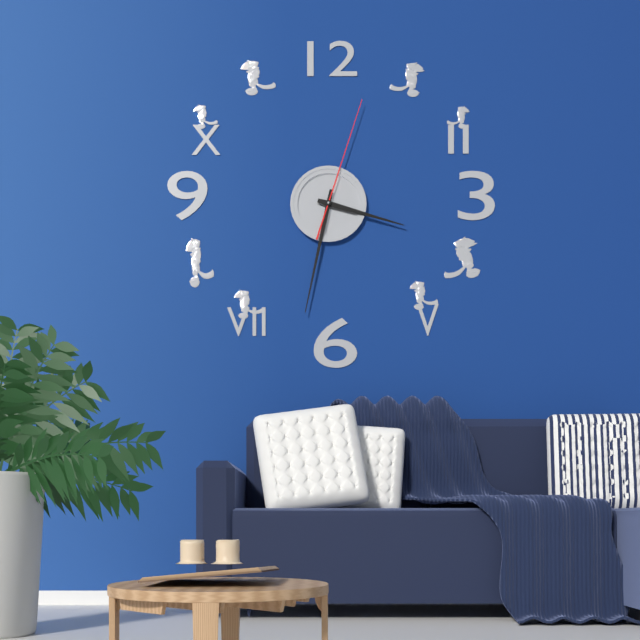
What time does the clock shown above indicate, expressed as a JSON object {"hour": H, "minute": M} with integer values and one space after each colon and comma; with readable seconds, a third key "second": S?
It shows {"hour": 3, "minute": 32, "second": 3}
